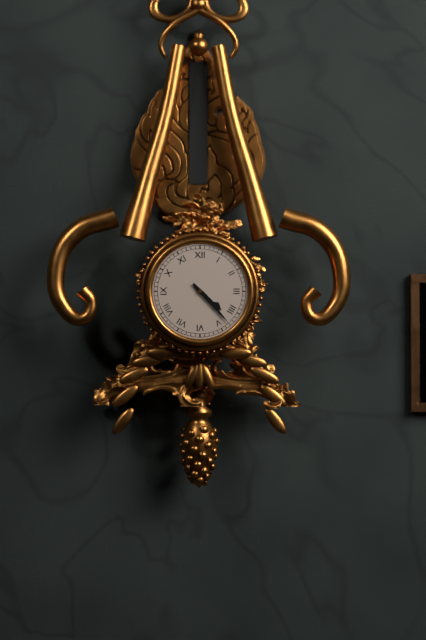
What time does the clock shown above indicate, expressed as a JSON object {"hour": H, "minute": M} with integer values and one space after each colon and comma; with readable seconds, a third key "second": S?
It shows {"hour": 4, "minute": 23}
